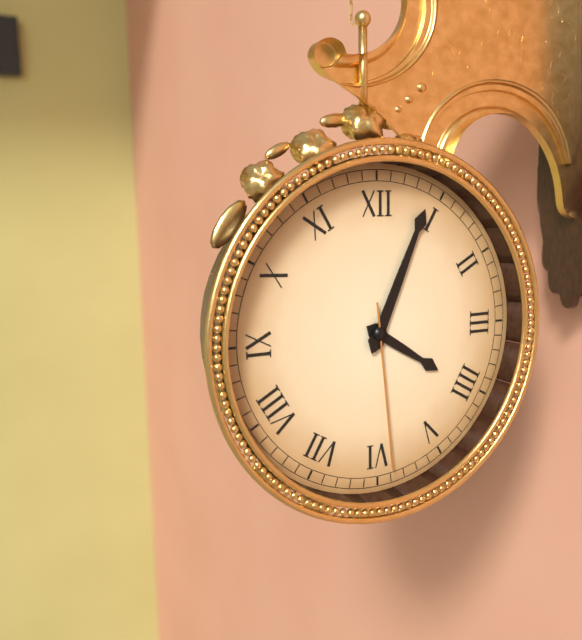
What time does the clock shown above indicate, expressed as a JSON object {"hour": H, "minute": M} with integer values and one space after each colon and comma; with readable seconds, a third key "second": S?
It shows {"hour": 4, "minute": 4, "second": 29}
